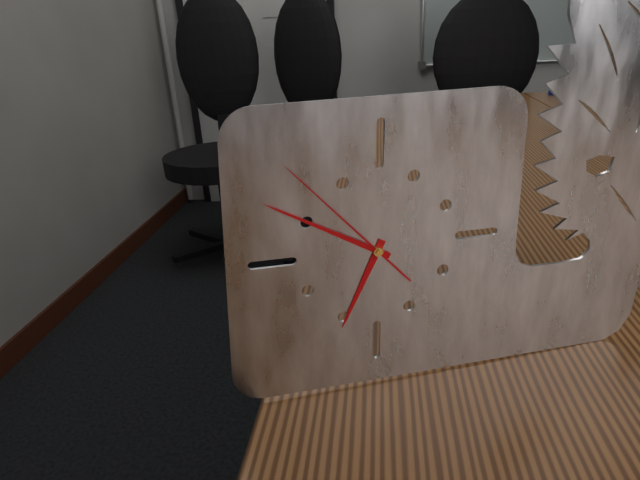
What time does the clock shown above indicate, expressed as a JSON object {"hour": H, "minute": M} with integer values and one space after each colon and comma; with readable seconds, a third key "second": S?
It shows {"hour": 6, "minute": 50, "second": 53}
